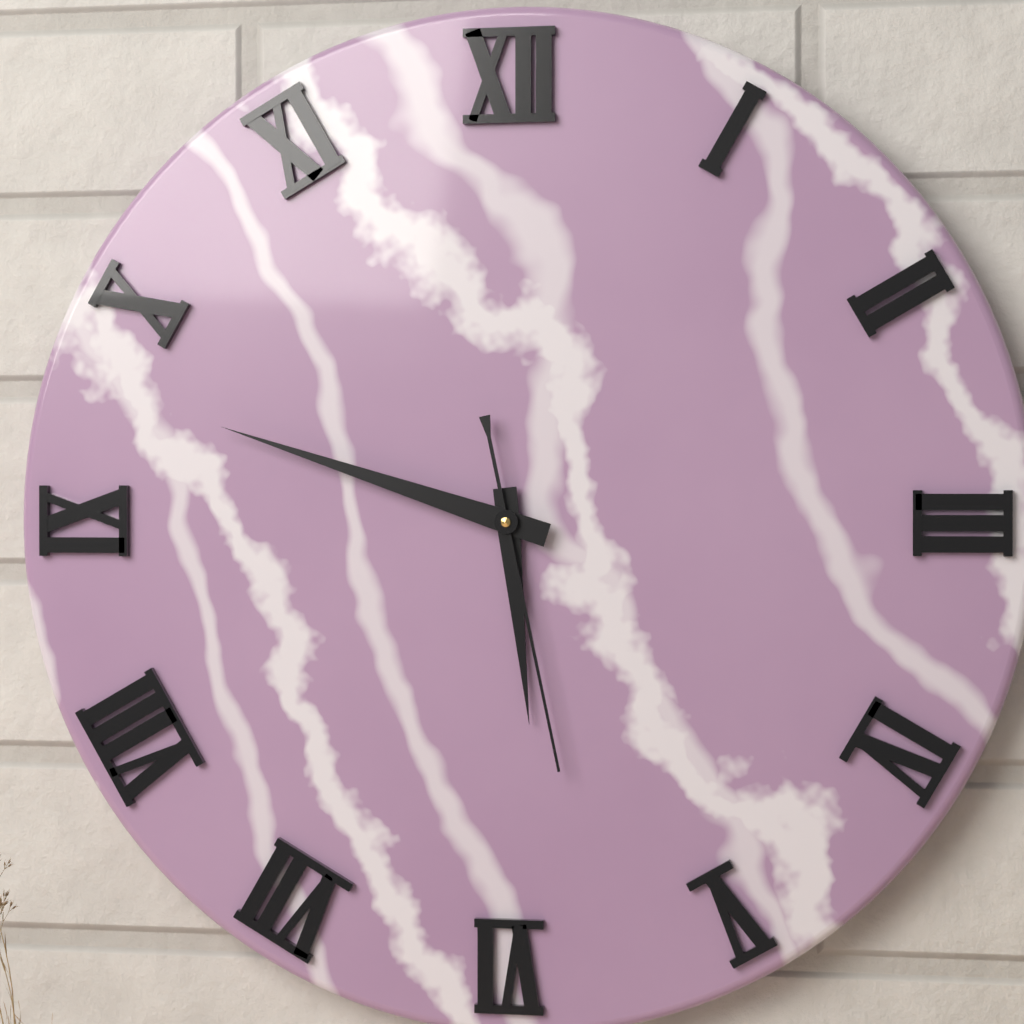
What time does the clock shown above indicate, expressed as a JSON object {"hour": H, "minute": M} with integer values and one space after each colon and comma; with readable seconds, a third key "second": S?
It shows {"hour": 5, "minute": 48, "second": 28}
